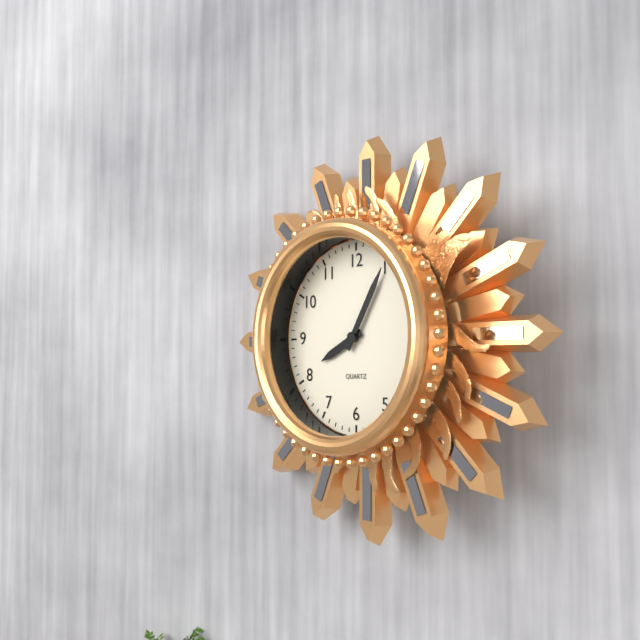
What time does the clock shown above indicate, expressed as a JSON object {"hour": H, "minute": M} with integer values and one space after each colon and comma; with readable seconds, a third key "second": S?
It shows {"hour": 8, "minute": 5}
